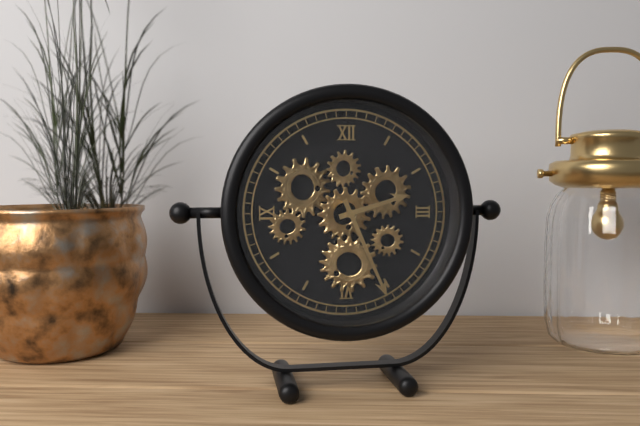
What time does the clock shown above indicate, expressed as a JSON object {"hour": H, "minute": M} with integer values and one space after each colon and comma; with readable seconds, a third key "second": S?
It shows {"hour": 2, "minute": 26}
